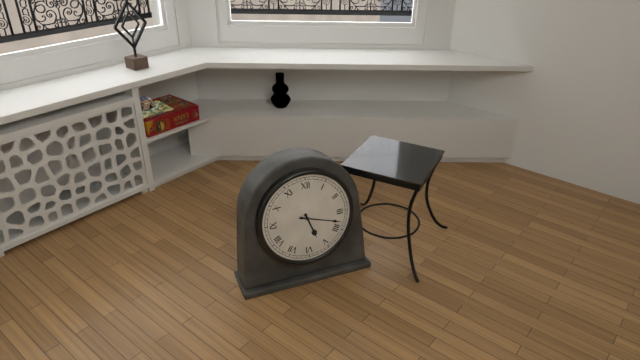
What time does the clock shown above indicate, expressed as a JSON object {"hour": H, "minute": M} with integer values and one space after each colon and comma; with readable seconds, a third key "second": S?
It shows {"hour": 5, "minute": 18}
